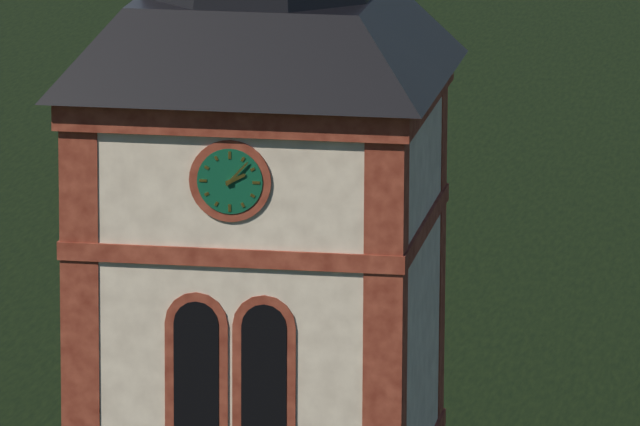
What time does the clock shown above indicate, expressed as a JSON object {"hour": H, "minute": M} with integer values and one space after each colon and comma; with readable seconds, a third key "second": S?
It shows {"hour": 2, "minute": 7}
